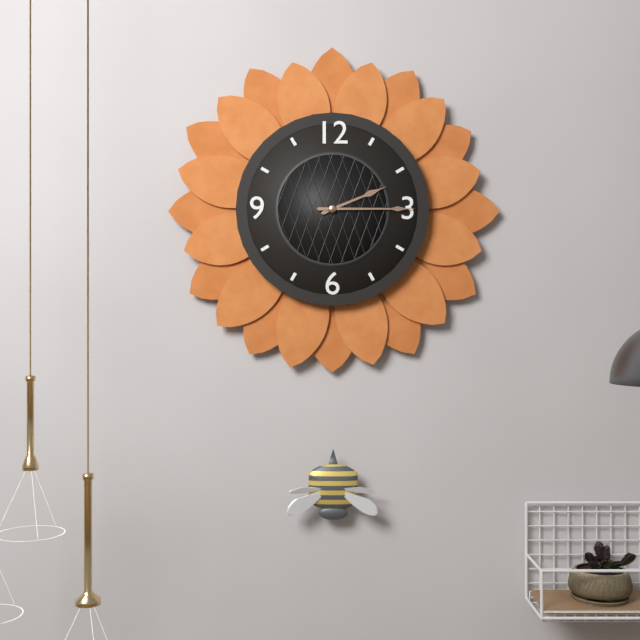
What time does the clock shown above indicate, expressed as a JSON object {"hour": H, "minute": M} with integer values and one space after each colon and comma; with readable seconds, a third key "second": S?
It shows {"hour": 2, "minute": 15}
